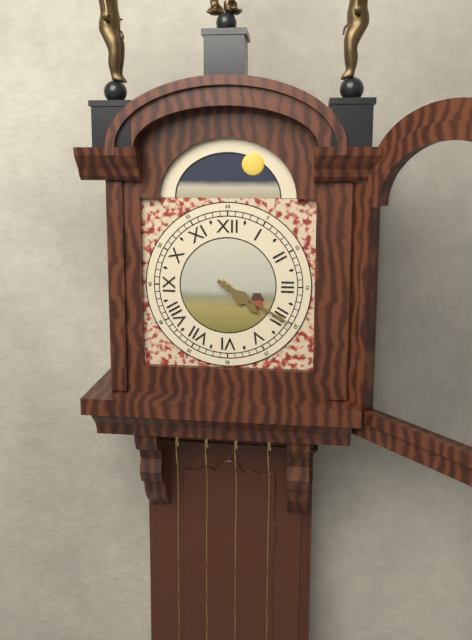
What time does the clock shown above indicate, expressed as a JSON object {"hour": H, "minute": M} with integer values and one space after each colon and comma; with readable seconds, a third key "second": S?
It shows {"hour": 4, "minute": 20}
